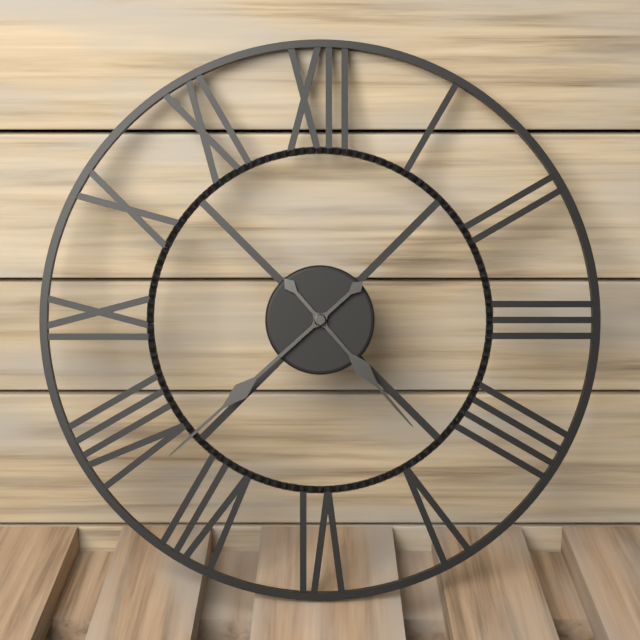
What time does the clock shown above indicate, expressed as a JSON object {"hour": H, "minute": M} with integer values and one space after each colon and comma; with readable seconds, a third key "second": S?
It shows {"hour": 4, "minute": 38}
